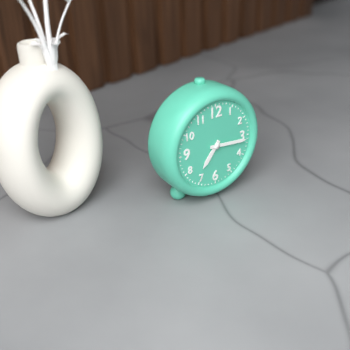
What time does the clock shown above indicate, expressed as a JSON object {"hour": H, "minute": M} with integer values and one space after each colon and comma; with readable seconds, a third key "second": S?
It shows {"hour": 7, "minute": 16}
